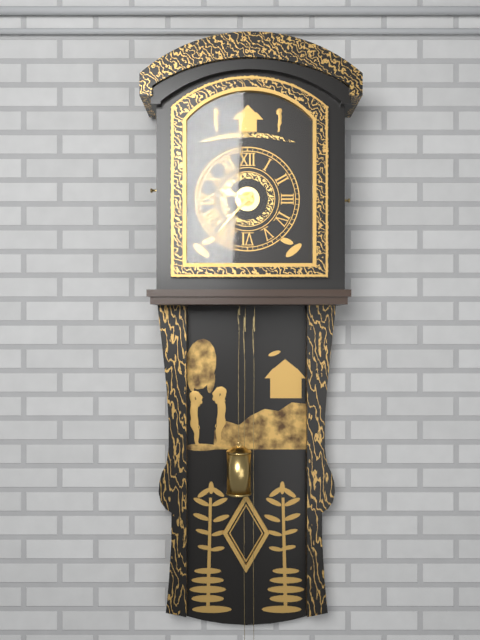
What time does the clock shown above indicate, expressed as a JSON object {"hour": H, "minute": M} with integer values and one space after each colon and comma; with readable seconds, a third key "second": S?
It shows {"hour": 9, "minute": 37}
